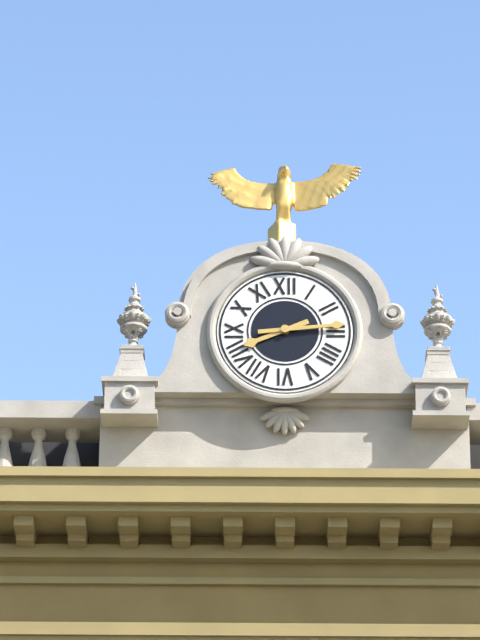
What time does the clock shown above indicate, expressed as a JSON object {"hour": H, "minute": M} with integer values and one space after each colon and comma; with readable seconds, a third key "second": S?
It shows {"hour": 8, "minute": 14}
